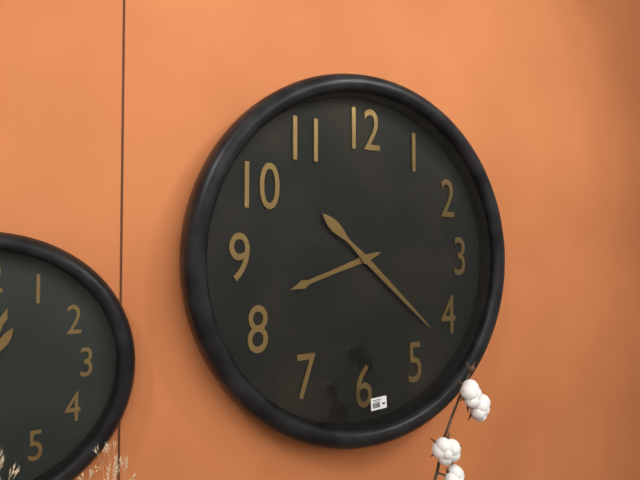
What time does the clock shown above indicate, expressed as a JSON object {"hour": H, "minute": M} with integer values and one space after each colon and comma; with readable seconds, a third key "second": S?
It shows {"hour": 8, "minute": 22}
